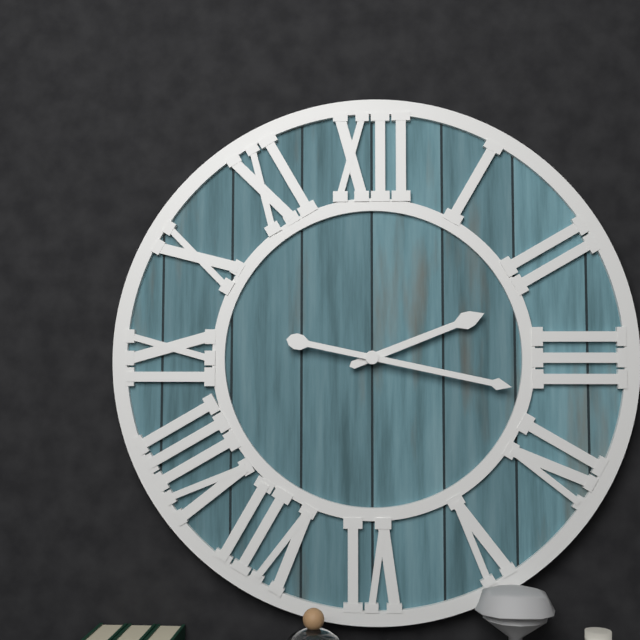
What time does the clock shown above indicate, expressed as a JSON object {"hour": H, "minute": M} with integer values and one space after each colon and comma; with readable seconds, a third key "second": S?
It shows {"hour": 2, "minute": 17}
